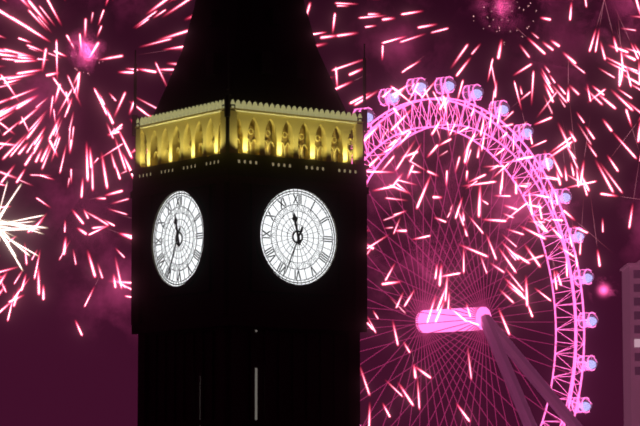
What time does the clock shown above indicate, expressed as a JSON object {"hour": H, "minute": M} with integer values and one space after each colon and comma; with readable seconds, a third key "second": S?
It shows {"hour": 11, "minute": 34}
